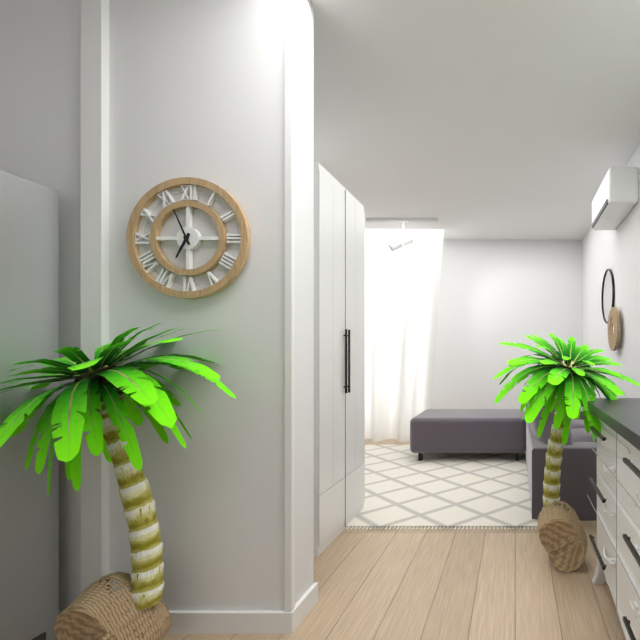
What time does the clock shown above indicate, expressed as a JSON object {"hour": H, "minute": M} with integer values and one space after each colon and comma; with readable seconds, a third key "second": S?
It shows {"hour": 6, "minute": 56}
